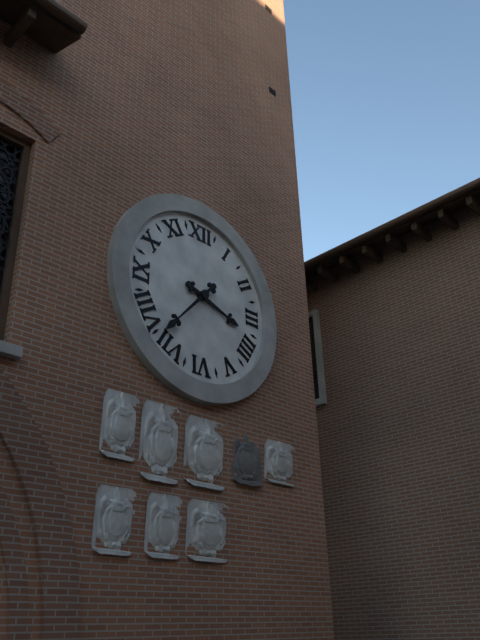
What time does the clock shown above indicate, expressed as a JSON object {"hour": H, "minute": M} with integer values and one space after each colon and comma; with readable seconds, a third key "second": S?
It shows {"hour": 3, "minute": 37}
